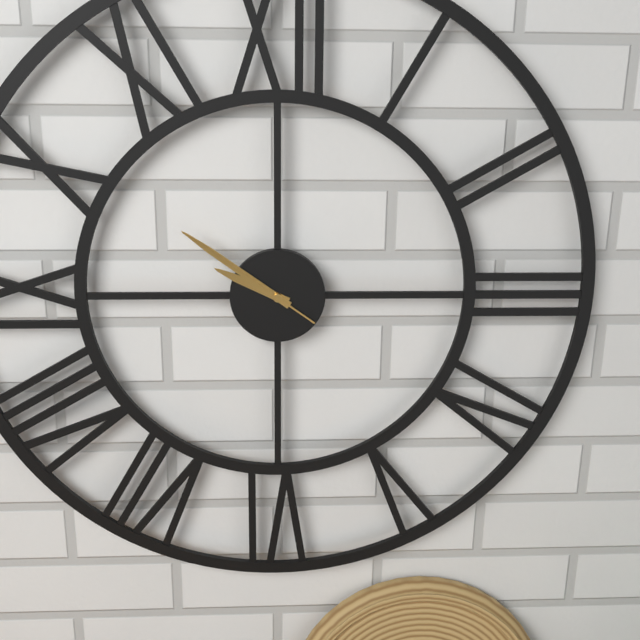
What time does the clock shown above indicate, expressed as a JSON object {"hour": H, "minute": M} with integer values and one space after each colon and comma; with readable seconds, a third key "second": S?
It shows {"hour": 9, "minute": 51, "second": 51}
